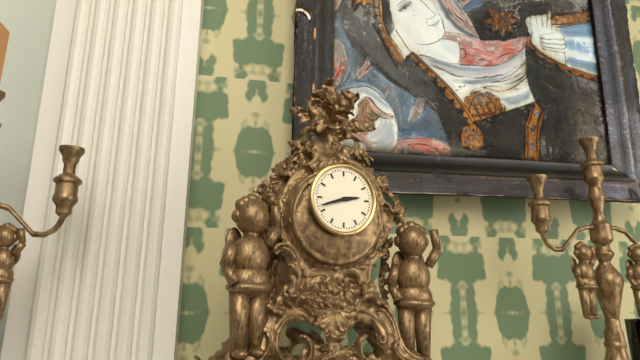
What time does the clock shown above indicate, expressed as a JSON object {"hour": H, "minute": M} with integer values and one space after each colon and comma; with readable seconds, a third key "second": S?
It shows {"hour": 2, "minute": 42}
